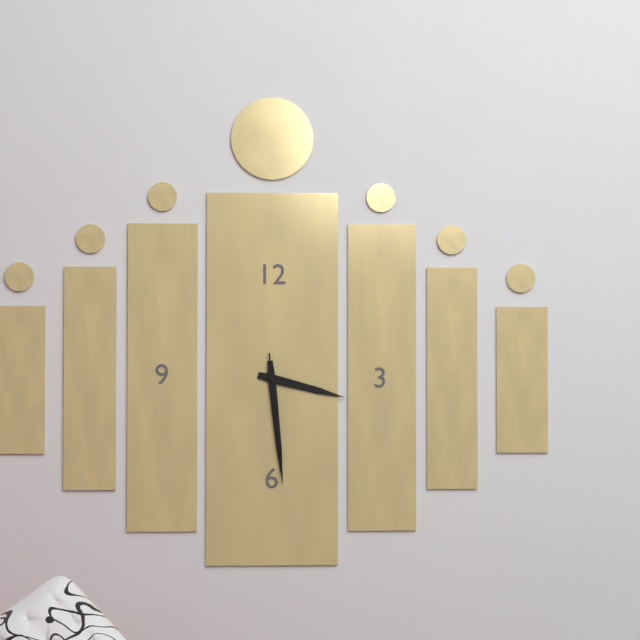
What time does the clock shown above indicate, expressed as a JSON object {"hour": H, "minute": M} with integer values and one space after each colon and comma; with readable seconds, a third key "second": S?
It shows {"hour": 3, "minute": 29, "second": 29}
